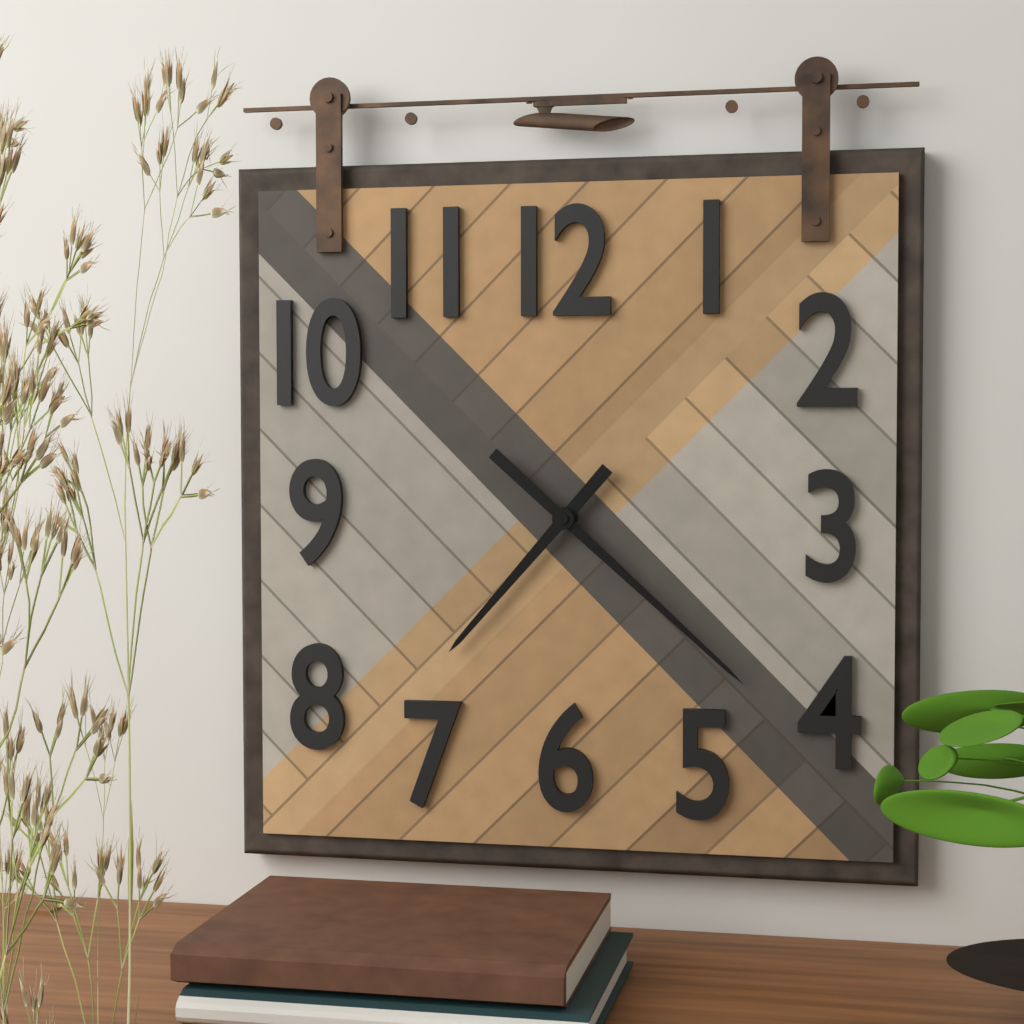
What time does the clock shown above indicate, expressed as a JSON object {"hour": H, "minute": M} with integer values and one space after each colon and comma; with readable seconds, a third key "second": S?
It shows {"hour": 7, "minute": 22}
